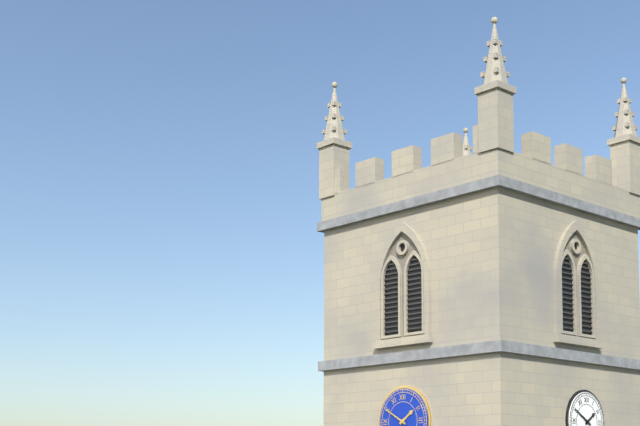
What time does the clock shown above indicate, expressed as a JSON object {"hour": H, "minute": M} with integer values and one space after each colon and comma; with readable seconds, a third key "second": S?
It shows {"hour": 1, "minute": 50}
